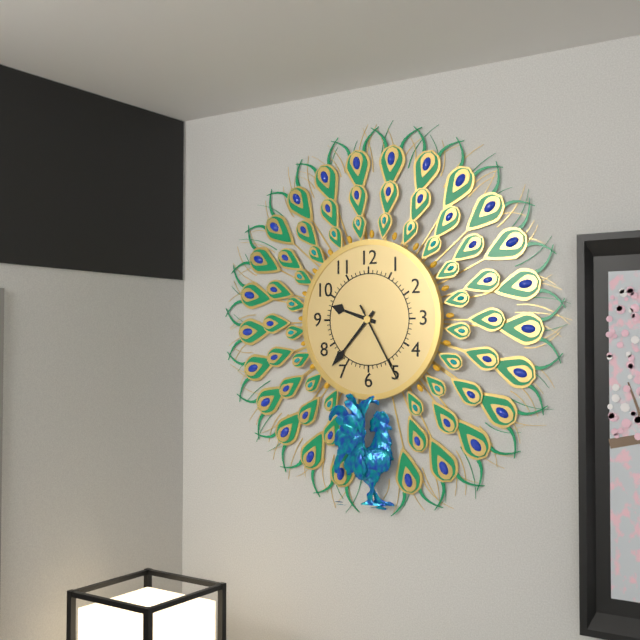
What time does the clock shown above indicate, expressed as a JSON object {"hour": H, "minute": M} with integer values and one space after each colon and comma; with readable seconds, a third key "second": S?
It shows {"hour": 9, "minute": 37, "second": 25}
